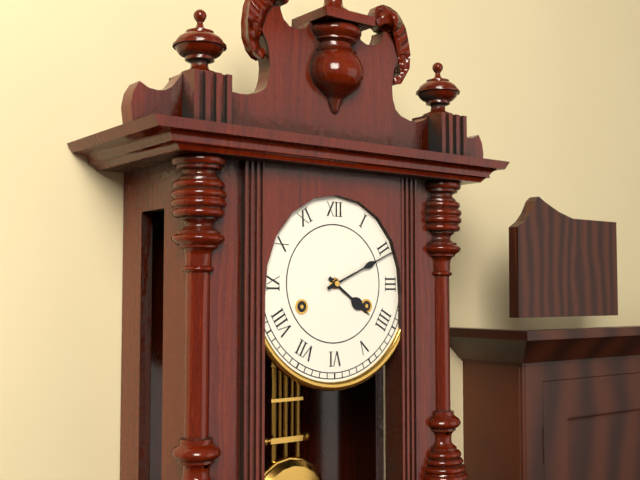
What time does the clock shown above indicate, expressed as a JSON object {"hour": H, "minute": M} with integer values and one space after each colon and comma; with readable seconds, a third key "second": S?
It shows {"hour": 4, "minute": 11}
